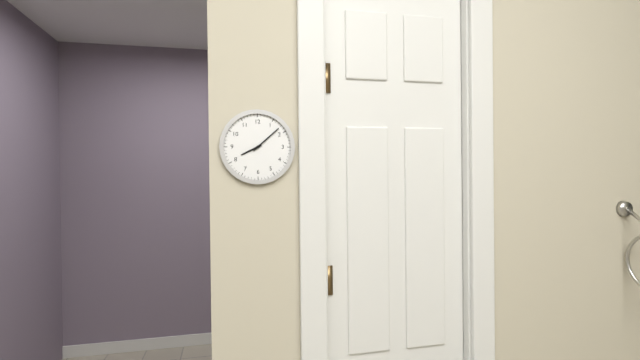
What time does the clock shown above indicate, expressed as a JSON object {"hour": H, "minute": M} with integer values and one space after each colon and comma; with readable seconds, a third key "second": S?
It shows {"hour": 8, "minute": 8}
